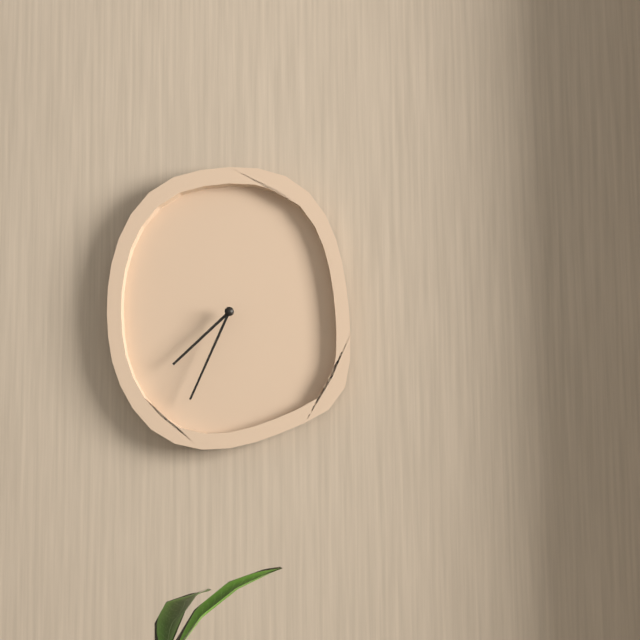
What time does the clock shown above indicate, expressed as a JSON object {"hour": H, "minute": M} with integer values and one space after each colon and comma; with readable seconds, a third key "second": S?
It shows {"hour": 7, "minute": 34}
